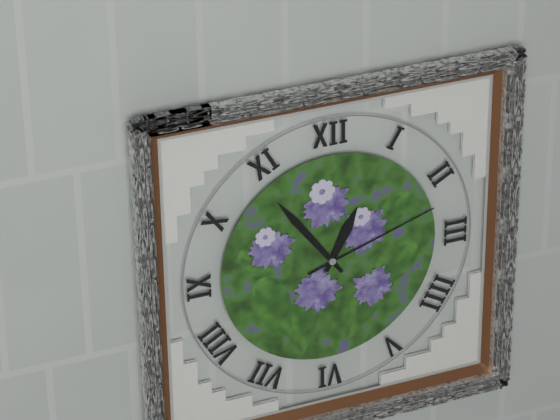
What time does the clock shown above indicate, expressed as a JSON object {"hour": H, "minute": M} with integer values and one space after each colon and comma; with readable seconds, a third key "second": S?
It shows {"hour": 12, "minute": 54, "second": 12}
